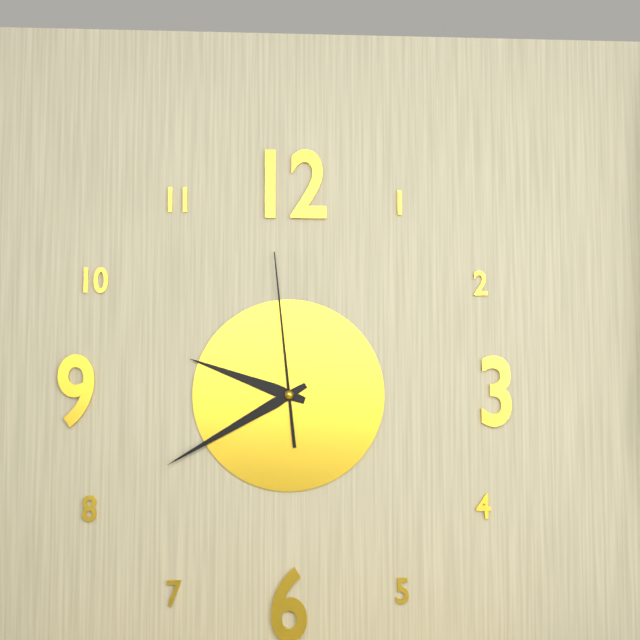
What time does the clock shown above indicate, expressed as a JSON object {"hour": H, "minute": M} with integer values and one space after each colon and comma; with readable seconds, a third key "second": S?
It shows {"hour": 9, "minute": 40, "second": 59}
